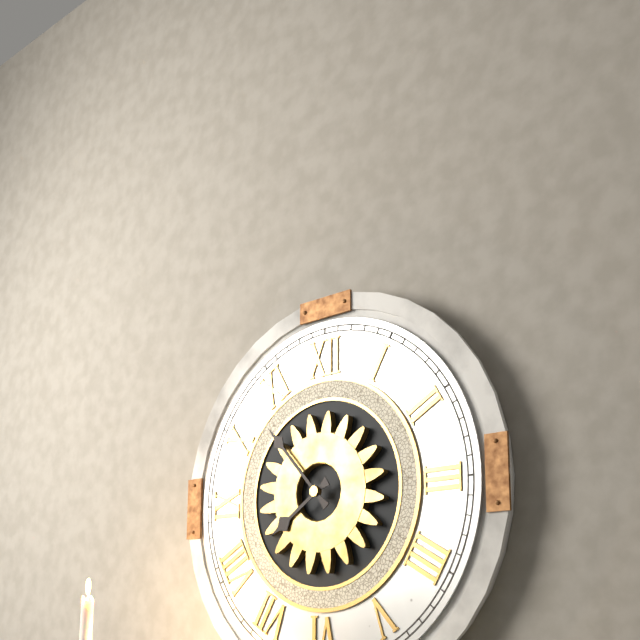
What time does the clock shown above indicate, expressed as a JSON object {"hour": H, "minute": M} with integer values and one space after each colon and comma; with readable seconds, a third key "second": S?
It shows {"hour": 7, "minute": 53}
